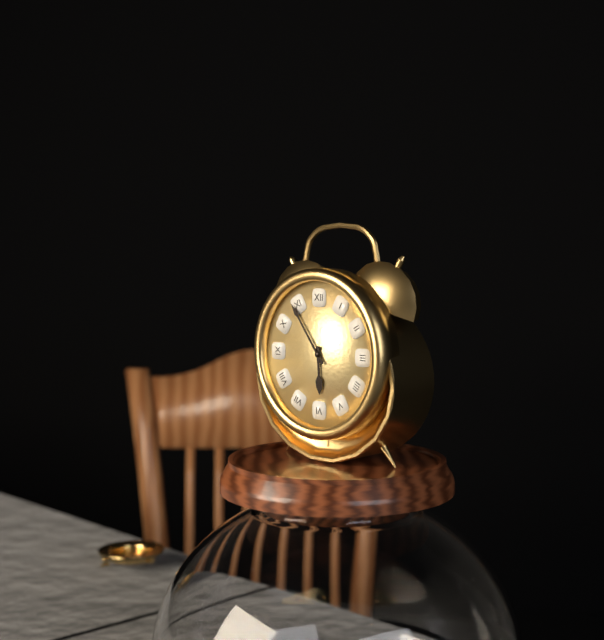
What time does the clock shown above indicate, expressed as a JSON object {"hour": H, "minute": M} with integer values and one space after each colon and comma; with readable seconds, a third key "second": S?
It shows {"hour": 5, "minute": 54}
